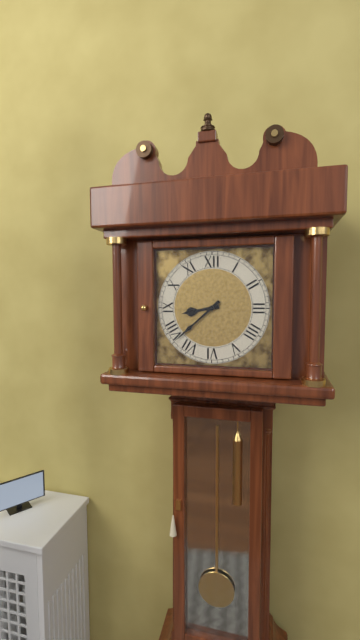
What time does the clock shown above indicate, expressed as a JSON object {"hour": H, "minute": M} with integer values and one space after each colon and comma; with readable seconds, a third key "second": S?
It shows {"hour": 8, "minute": 38}
